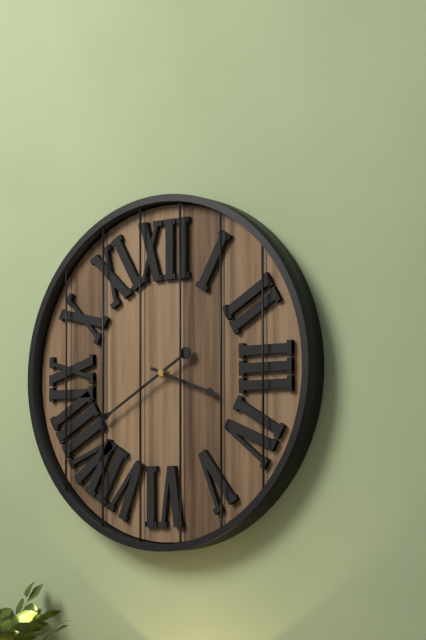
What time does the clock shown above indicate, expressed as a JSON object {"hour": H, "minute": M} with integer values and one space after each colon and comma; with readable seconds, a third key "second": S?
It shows {"hour": 3, "minute": 40}
